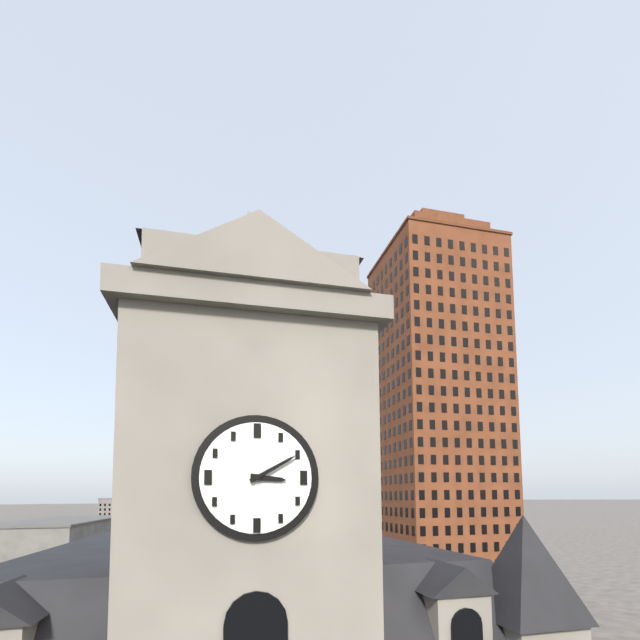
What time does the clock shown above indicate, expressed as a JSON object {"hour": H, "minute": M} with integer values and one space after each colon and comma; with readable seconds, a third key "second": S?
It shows {"hour": 3, "minute": 10}
